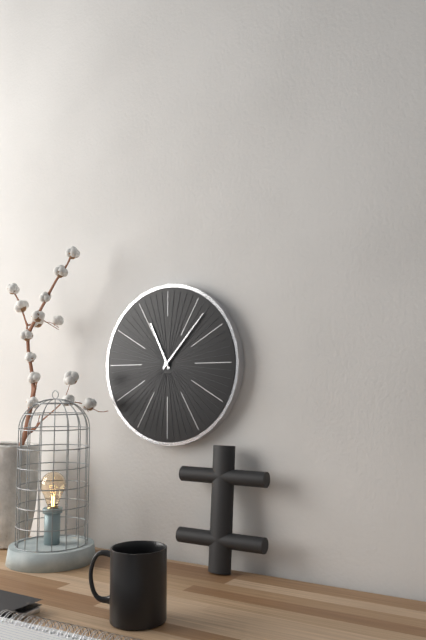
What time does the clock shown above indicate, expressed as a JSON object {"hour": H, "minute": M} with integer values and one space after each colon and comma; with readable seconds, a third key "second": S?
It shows {"hour": 11, "minute": 7}
